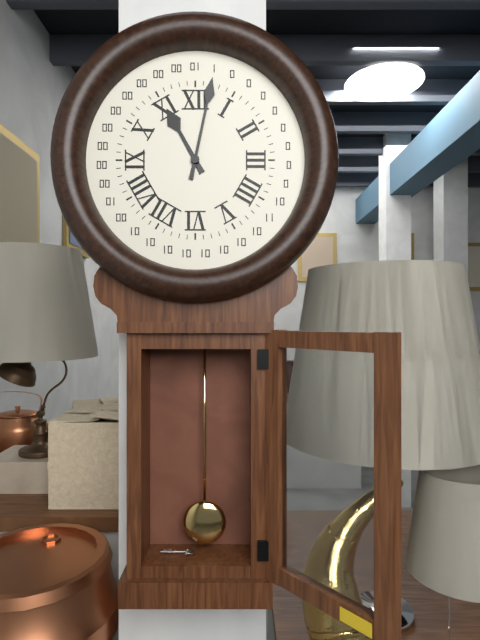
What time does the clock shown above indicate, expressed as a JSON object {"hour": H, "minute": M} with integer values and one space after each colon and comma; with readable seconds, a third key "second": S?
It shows {"hour": 11, "minute": 2}
